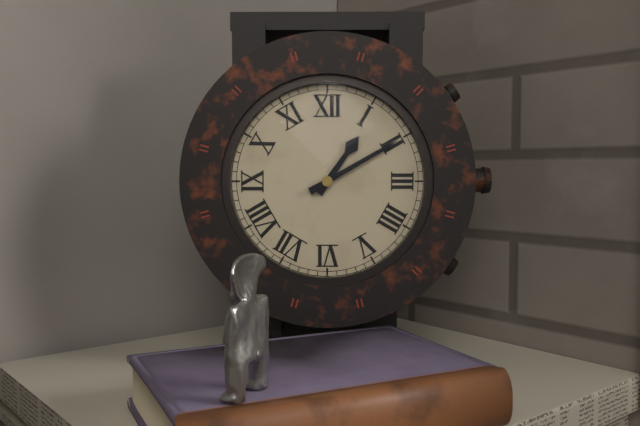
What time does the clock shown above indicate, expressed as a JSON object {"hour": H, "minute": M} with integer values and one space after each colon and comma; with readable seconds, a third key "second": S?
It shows {"hour": 1, "minute": 10}
